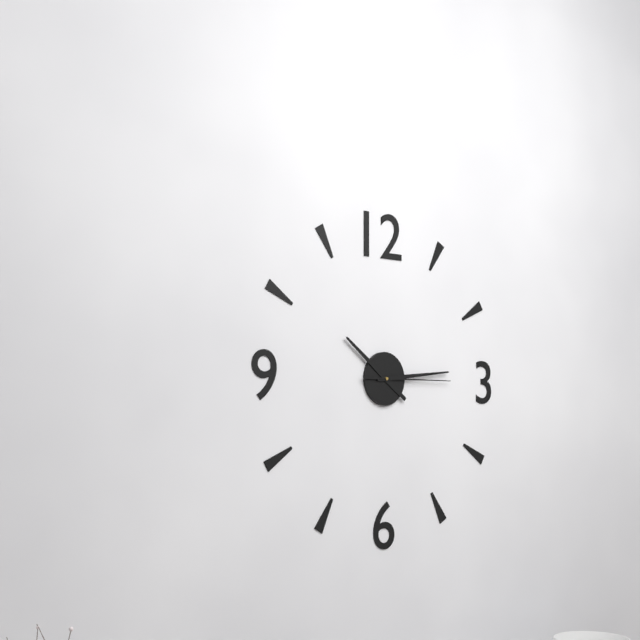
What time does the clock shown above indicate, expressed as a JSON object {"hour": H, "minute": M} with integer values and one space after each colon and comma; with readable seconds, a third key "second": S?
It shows {"hour": 10, "minute": 14, "second": 15}
